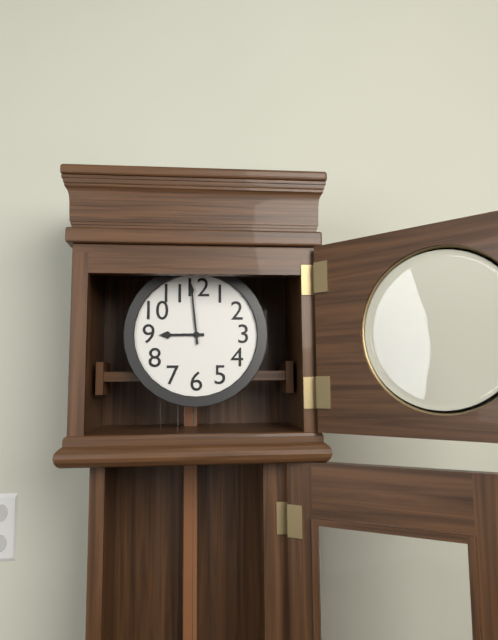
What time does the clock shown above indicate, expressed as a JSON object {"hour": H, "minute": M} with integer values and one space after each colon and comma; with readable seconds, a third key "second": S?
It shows {"hour": 8, "minute": 59}
